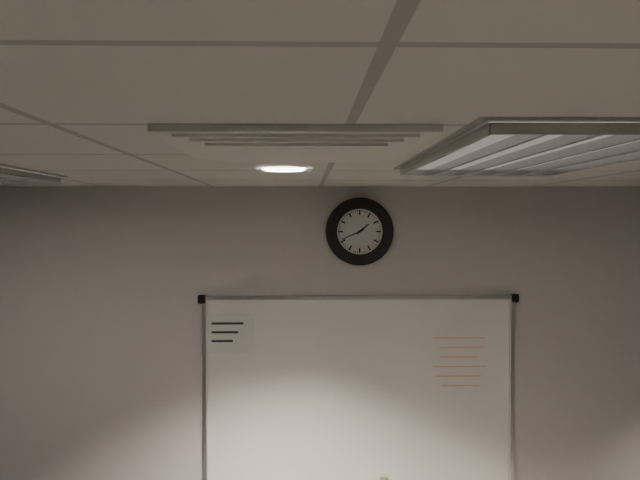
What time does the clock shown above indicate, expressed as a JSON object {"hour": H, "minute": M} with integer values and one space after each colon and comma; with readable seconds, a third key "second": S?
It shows {"hour": 1, "minute": 41}
